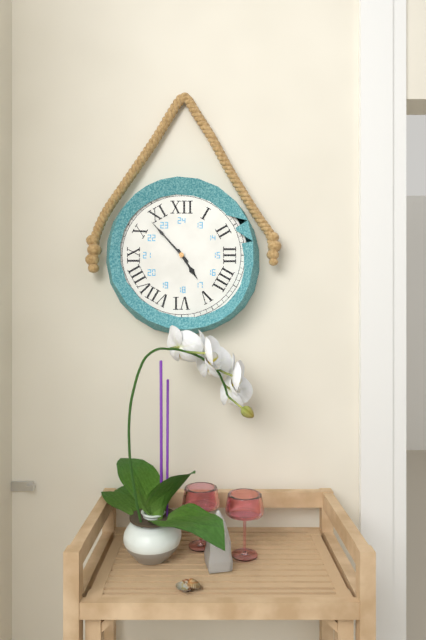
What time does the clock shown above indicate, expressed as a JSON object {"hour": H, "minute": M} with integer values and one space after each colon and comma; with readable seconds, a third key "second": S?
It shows {"hour": 4, "minute": 53}
